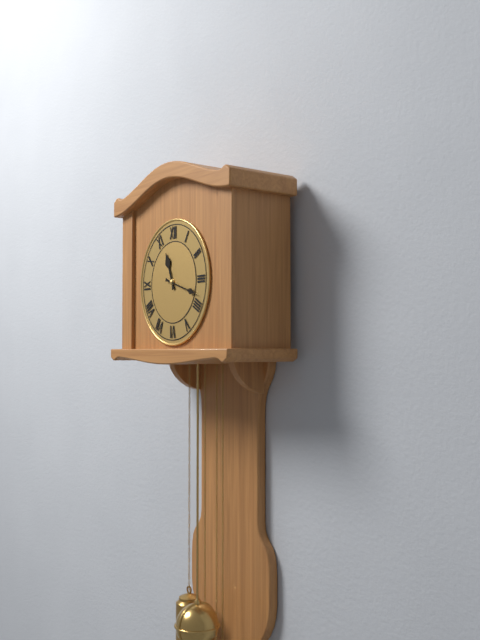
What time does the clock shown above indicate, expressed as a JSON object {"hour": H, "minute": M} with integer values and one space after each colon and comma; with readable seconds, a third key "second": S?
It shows {"hour": 11, "minute": 18}
